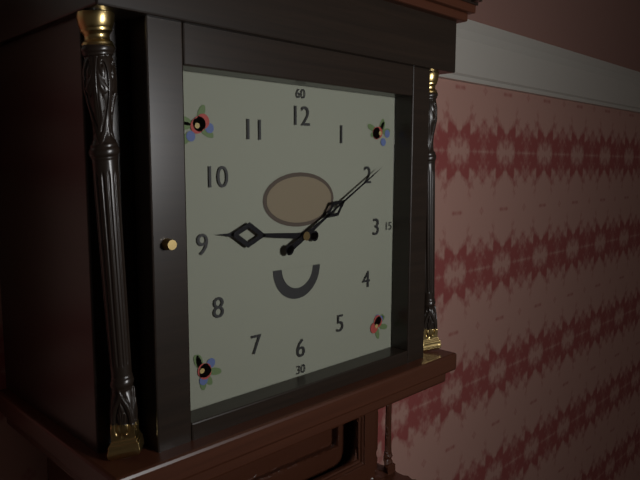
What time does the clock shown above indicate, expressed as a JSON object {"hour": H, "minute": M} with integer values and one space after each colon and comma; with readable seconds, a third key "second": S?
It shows {"hour": 9, "minute": 10}
